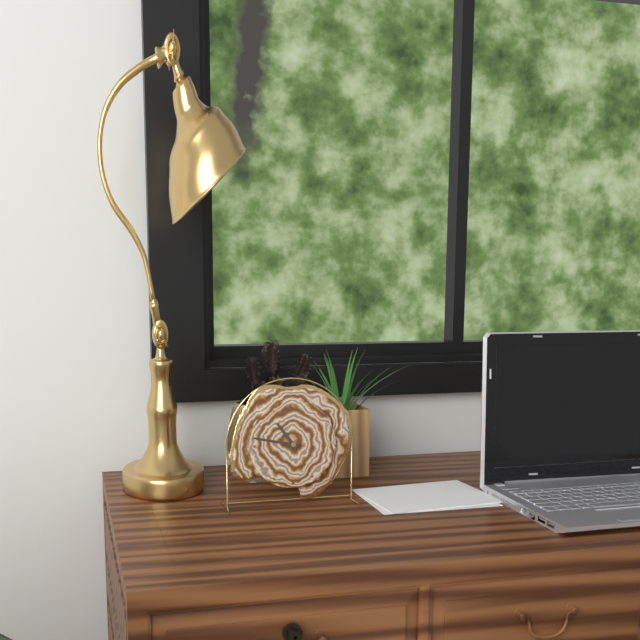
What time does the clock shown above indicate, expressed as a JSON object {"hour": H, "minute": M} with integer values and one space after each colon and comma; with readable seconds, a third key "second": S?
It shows {"hour": 10, "minute": 47}
